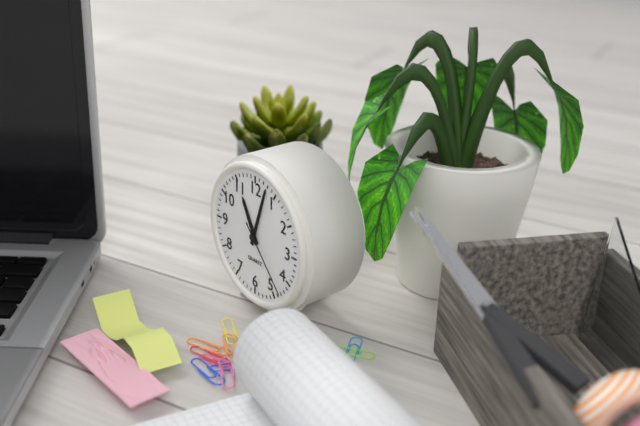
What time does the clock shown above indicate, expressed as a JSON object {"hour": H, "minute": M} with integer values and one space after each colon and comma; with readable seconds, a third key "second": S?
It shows {"hour": 11, "minute": 3, "second": 23}
